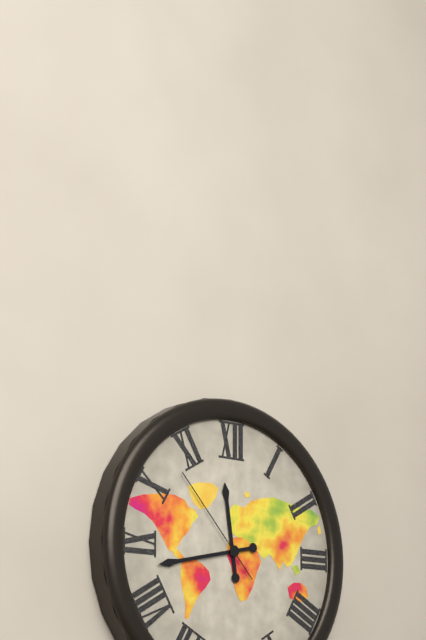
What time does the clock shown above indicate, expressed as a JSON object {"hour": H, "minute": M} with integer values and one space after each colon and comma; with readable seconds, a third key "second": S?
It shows {"hour": 11, "minute": 43, "second": 53}
